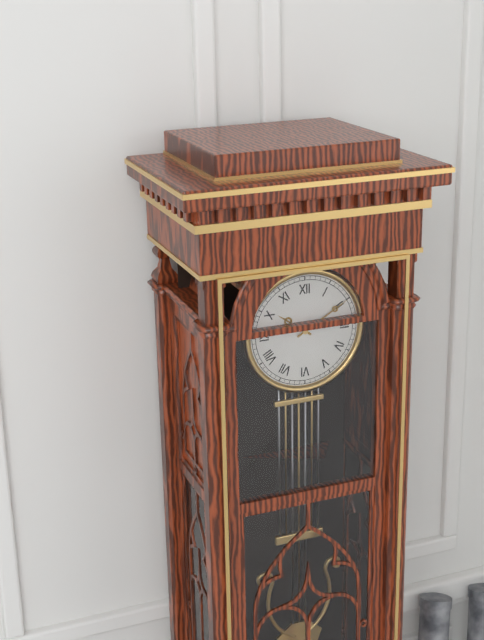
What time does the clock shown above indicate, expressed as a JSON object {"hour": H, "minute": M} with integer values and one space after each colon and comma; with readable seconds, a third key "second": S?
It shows {"hour": 10, "minute": 10}
